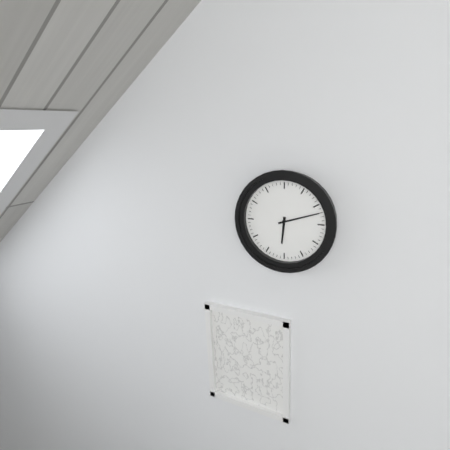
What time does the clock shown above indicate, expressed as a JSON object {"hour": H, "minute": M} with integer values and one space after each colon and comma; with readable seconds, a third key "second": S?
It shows {"hour": 6, "minute": 12}
